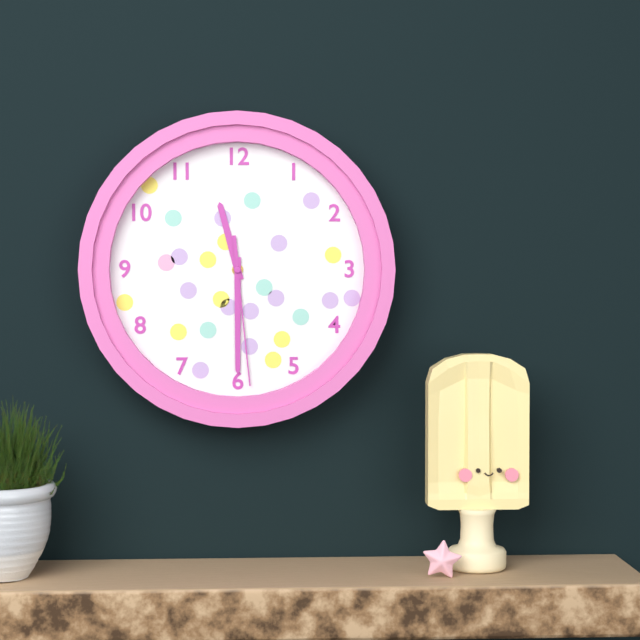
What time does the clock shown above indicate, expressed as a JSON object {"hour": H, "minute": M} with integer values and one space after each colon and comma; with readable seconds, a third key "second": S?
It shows {"hour": 11, "minute": 30, "second": 29}
